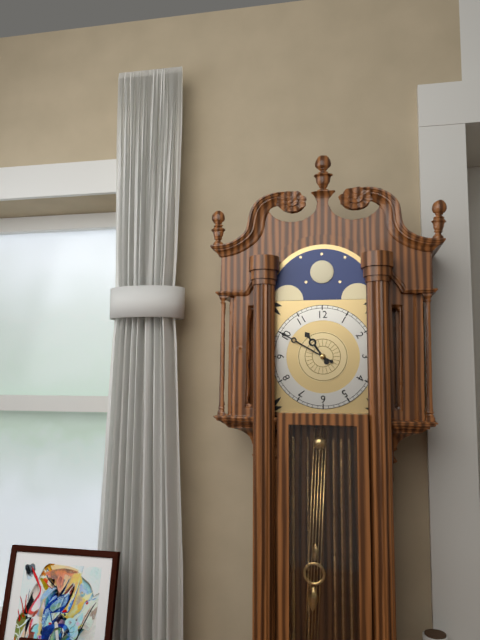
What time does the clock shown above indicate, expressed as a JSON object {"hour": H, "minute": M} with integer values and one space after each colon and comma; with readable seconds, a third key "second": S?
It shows {"hour": 10, "minute": 50}
